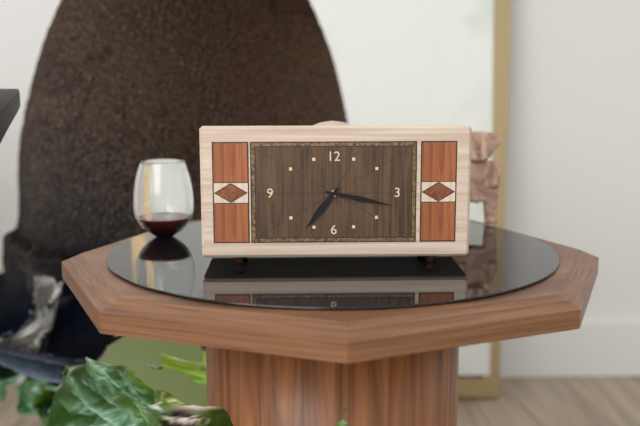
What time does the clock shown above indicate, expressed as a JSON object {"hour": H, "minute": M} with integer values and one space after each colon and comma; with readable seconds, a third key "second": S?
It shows {"hour": 7, "minute": 17}
